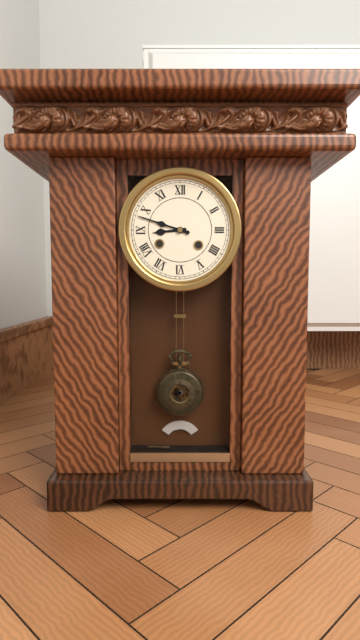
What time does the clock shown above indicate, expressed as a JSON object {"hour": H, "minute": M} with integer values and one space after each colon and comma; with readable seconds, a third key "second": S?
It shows {"hour": 8, "minute": 48}
